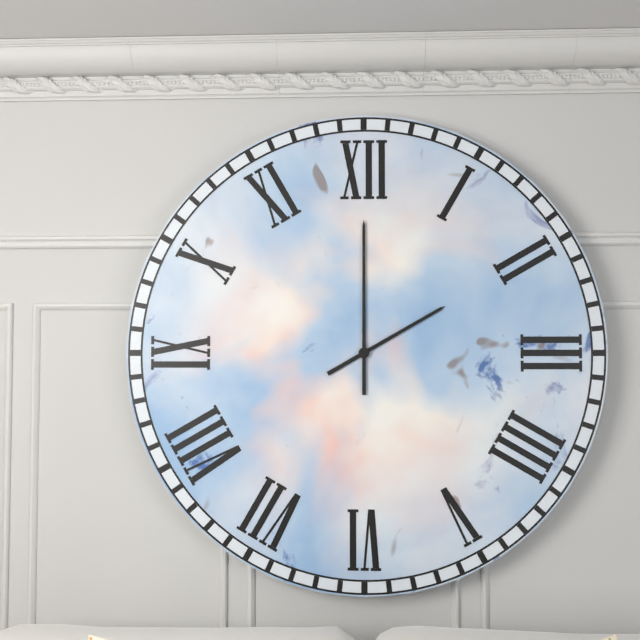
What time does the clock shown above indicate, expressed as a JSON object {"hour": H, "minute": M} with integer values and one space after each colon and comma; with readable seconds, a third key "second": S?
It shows {"hour": 2, "minute": 0}
